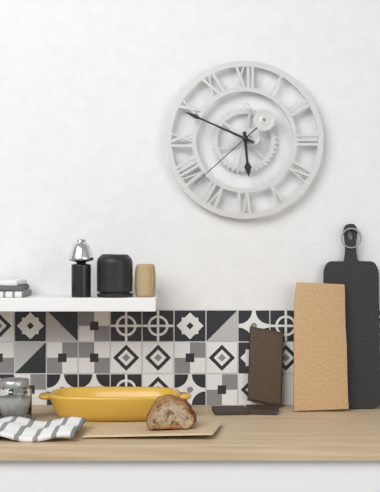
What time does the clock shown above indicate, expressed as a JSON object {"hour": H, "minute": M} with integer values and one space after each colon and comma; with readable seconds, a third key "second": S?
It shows {"hour": 5, "minute": 49, "second": 38}
